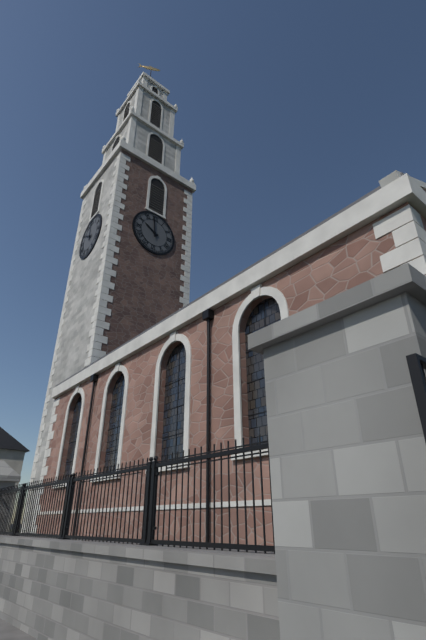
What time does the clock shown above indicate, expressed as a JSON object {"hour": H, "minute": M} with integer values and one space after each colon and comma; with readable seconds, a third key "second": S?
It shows {"hour": 9, "minute": 59}
